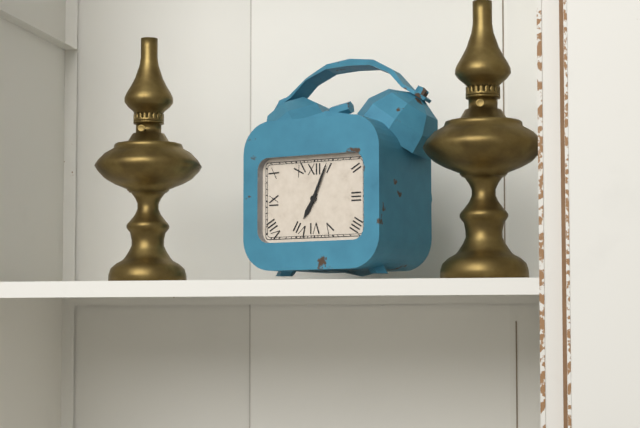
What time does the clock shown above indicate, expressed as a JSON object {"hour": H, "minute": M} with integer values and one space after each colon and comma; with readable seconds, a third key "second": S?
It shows {"hour": 7, "minute": 4}
